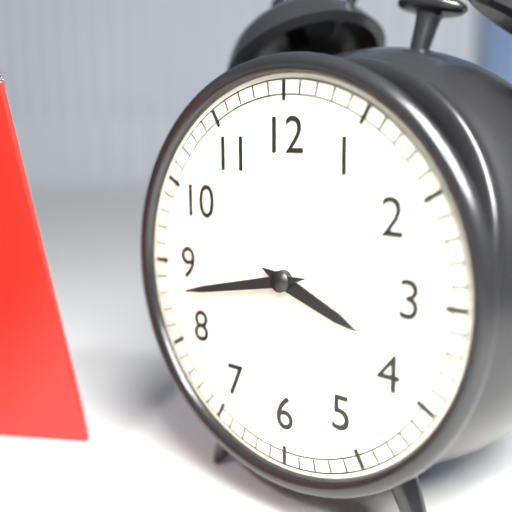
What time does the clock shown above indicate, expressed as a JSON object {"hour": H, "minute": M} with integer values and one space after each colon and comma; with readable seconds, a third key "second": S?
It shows {"hour": 3, "minute": 43}
